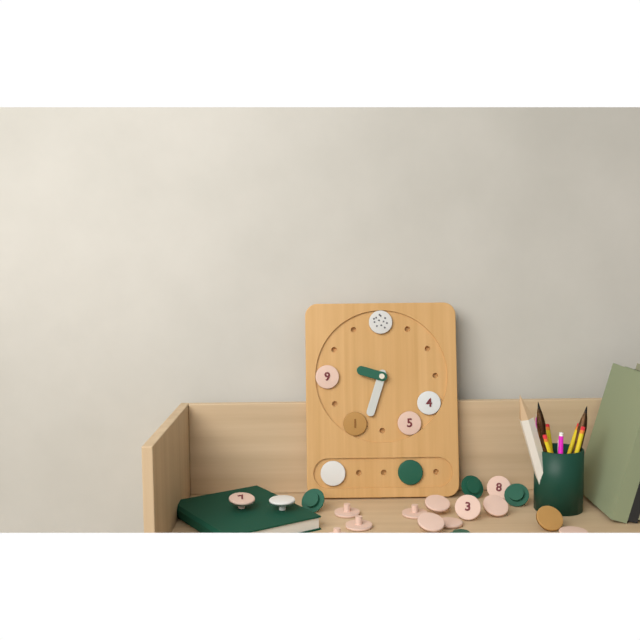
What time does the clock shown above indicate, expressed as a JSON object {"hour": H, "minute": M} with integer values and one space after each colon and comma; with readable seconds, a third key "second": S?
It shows {"hour": 9, "minute": 33}
